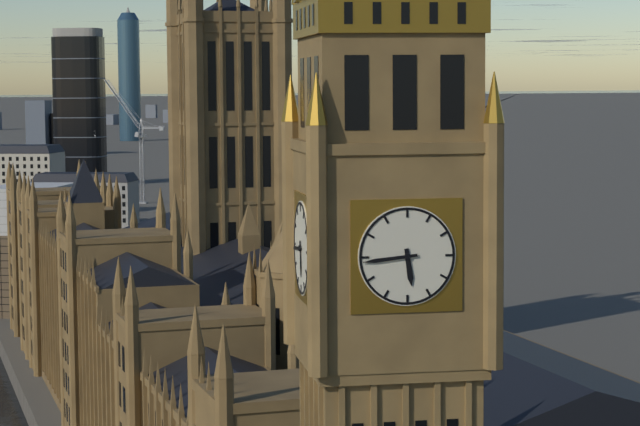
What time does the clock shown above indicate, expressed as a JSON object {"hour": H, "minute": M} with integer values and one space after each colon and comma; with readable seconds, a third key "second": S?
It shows {"hour": 5, "minute": 44}
